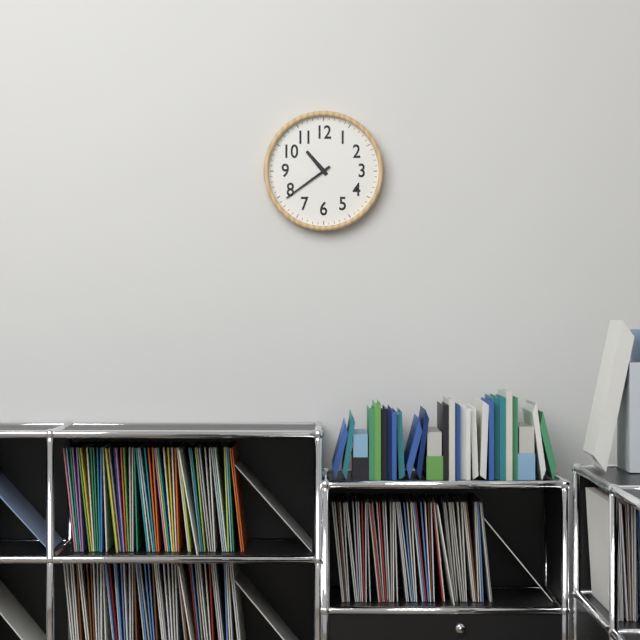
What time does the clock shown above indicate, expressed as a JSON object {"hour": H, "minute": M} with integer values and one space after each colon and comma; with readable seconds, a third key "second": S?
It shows {"hour": 10, "minute": 39}
